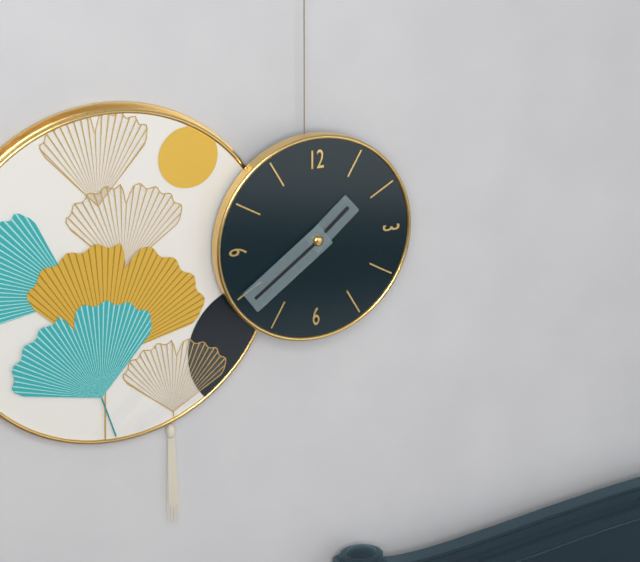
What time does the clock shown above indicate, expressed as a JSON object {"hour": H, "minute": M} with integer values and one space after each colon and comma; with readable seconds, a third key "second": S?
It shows {"hour": 1, "minute": 39}
